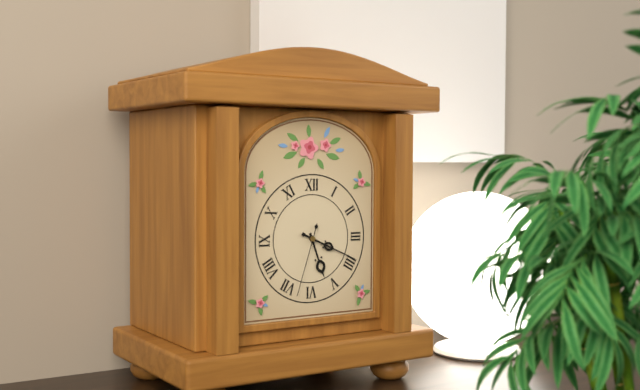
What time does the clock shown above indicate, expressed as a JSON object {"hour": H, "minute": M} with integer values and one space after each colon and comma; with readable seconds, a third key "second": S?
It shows {"hour": 5, "minute": 19, "second": 33}
